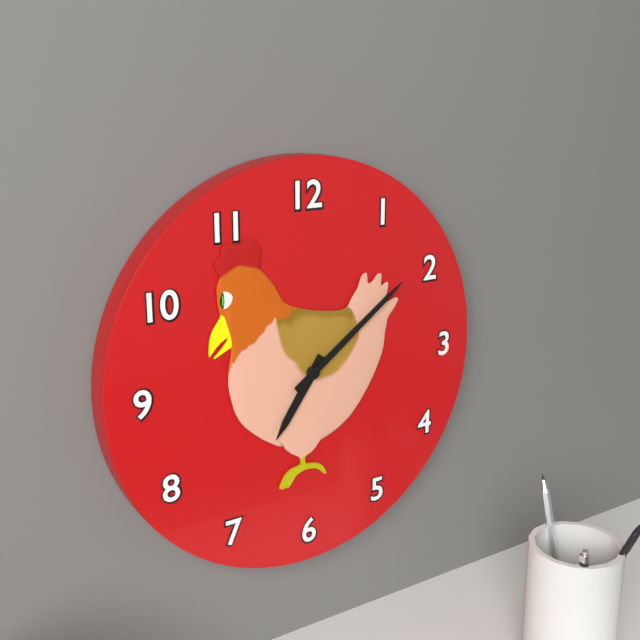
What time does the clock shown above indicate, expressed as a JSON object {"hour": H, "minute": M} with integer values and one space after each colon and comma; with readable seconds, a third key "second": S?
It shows {"hour": 7, "minute": 9}
